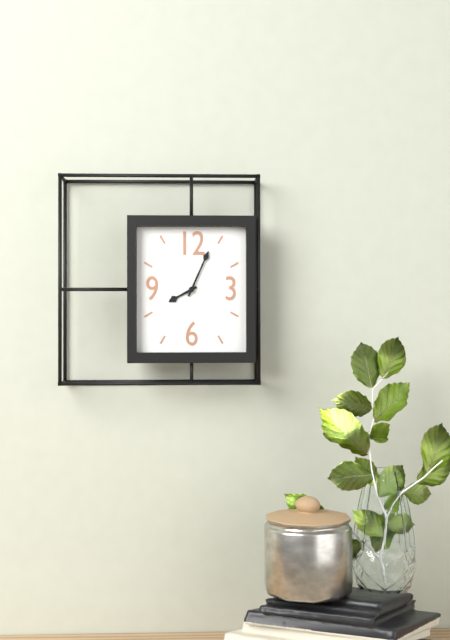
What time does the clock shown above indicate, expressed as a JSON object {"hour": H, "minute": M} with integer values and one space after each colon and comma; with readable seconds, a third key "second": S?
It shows {"hour": 8, "minute": 4}
